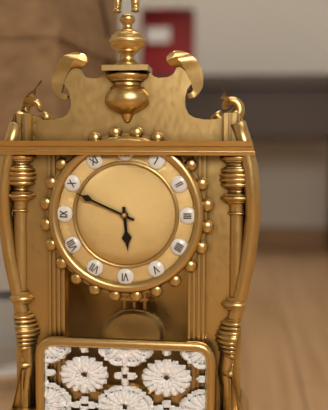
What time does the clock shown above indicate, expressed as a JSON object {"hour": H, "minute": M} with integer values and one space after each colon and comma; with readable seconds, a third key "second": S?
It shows {"hour": 5, "minute": 49}
